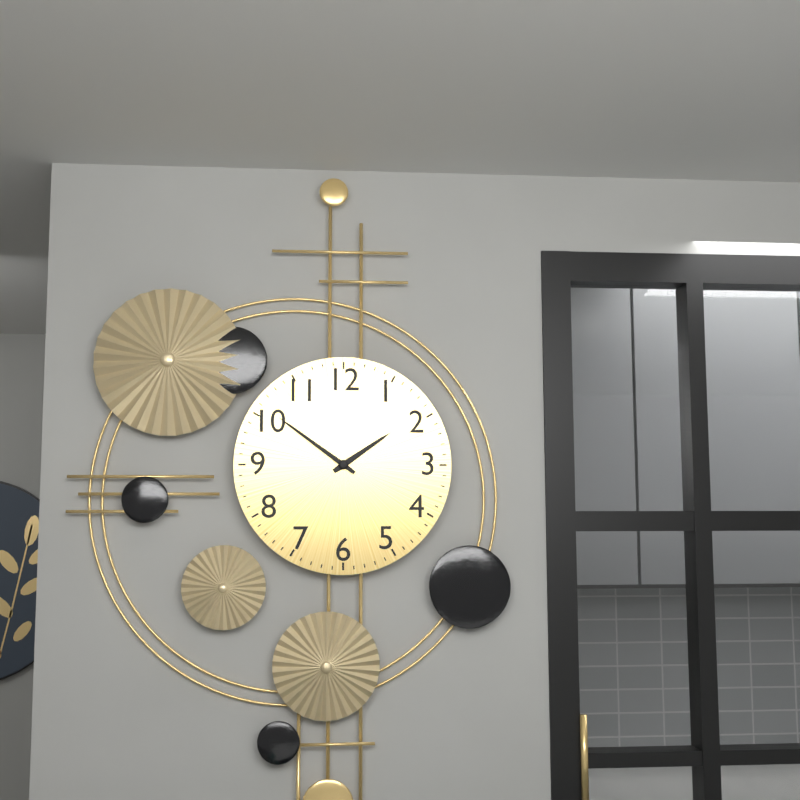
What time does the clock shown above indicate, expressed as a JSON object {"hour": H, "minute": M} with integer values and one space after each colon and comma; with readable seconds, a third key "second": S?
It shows {"hour": 1, "minute": 51}
